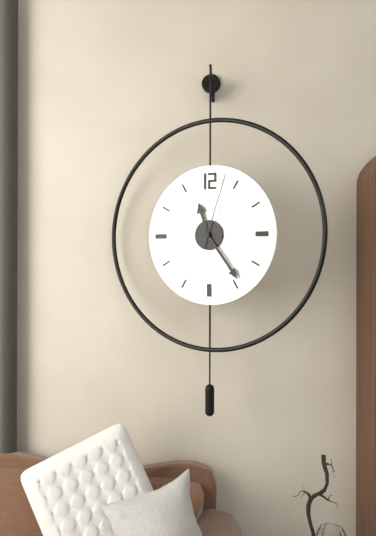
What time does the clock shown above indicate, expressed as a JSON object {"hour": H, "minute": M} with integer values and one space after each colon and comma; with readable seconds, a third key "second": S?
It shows {"hour": 11, "minute": 24, "second": 3}
